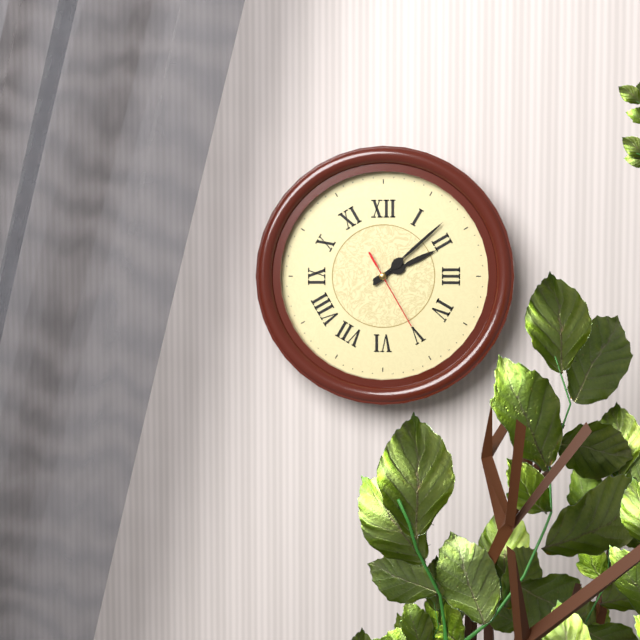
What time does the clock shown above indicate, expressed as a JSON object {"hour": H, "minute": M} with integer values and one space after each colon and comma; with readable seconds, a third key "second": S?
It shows {"hour": 2, "minute": 8, "second": 25}
